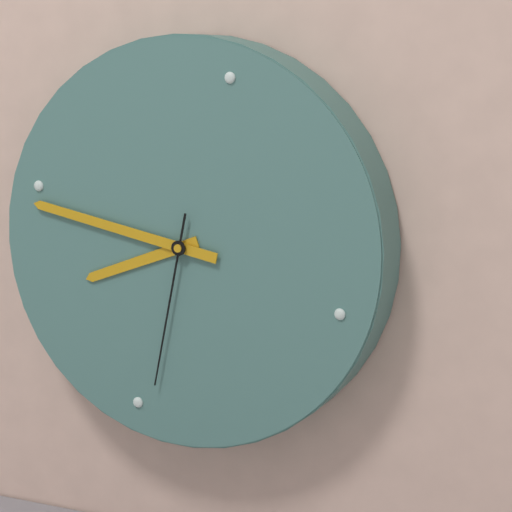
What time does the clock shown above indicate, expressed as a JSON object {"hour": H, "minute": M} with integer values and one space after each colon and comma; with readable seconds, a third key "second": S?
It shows {"hour": 7, "minute": 44, "second": 29}
